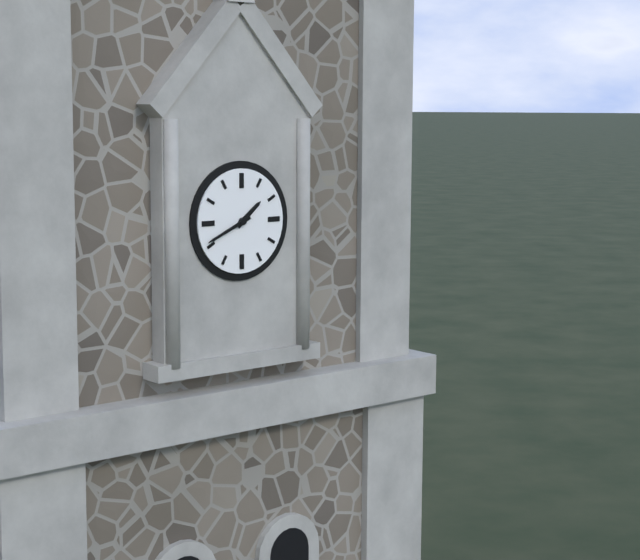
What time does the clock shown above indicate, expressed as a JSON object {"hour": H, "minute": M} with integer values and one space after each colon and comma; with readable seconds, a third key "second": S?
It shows {"hour": 1, "minute": 41}
